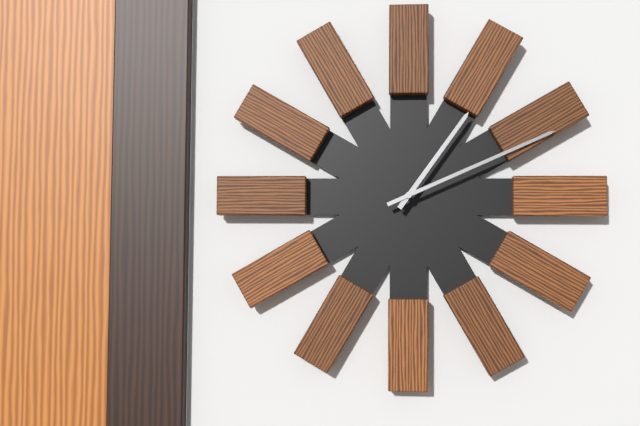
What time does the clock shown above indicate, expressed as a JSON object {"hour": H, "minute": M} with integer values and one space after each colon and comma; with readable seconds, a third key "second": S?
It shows {"hour": 1, "minute": 11}
